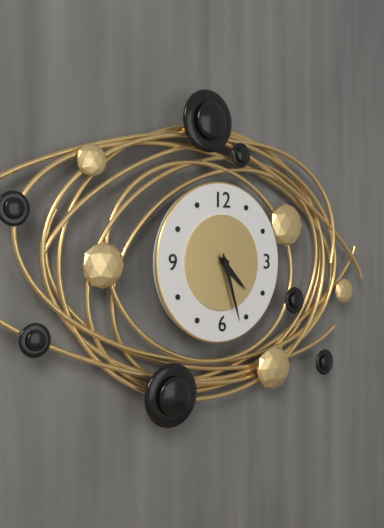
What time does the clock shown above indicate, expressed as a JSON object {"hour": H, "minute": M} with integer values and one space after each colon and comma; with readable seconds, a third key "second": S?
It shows {"hour": 4, "minute": 27}
